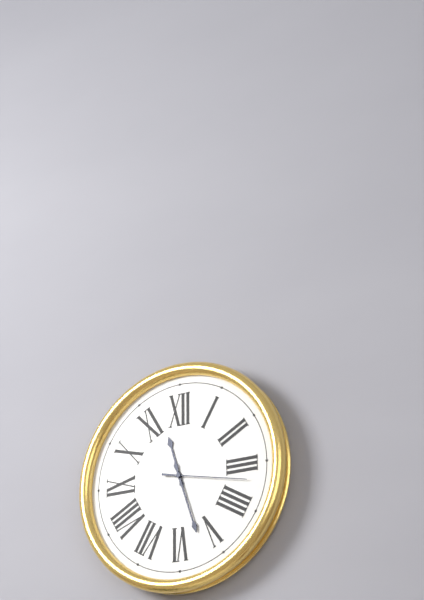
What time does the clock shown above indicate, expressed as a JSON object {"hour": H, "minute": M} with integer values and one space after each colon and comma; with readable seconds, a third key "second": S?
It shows {"hour": 11, "minute": 27, "second": 17}
